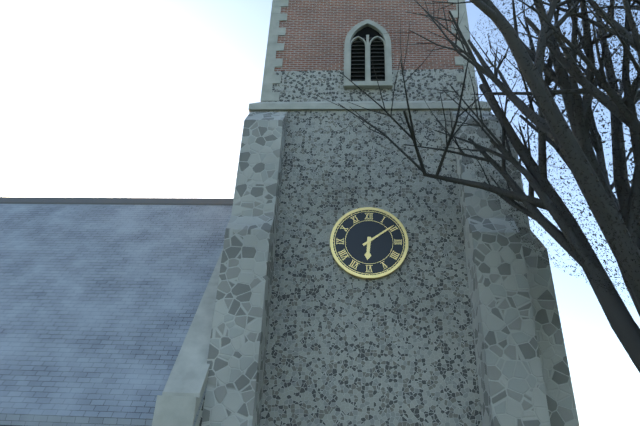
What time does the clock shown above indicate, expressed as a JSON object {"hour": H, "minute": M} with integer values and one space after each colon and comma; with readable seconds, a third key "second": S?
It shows {"hour": 6, "minute": 9}
